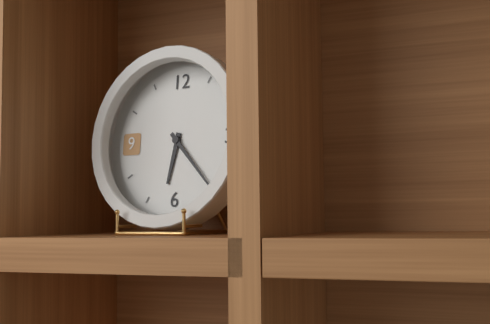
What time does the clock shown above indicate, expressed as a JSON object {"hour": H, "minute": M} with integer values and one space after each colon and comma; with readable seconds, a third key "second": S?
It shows {"hour": 6, "minute": 23}
